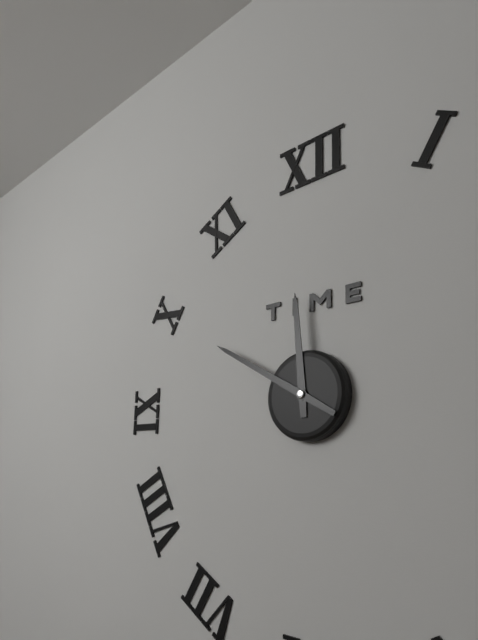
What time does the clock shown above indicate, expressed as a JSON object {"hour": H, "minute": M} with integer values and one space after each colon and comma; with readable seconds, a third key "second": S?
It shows {"hour": 11, "minute": 50}
